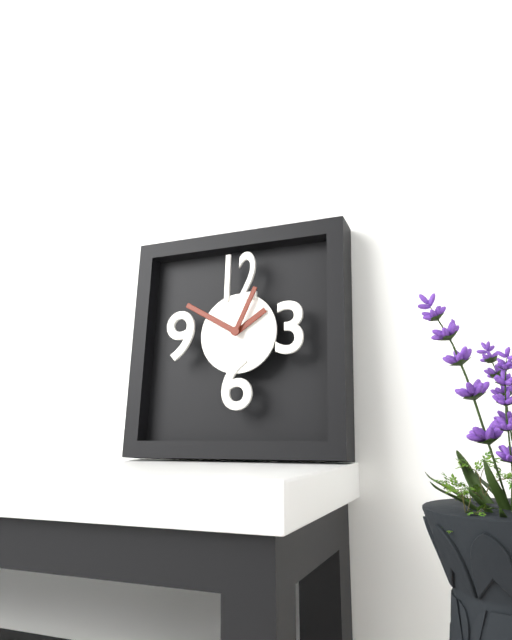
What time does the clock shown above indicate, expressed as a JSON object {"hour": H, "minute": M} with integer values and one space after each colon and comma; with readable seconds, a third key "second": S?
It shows {"hour": 1, "minute": 50, "second": 4}
